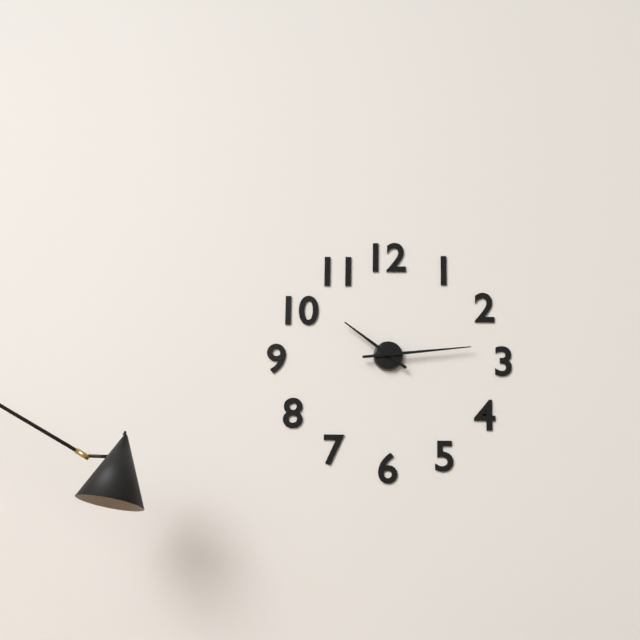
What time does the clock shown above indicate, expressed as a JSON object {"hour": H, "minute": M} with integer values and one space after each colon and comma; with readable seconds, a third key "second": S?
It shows {"hour": 10, "minute": 14}
